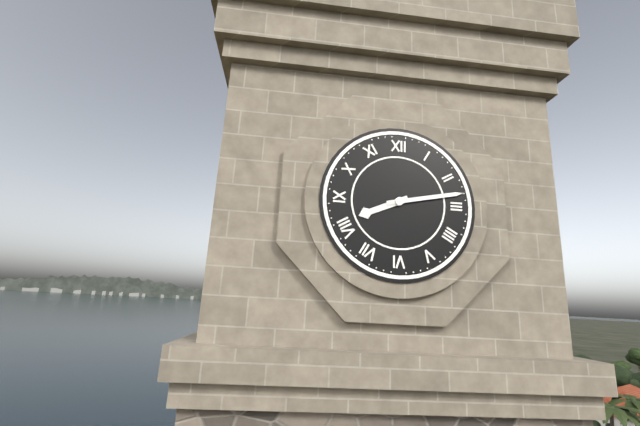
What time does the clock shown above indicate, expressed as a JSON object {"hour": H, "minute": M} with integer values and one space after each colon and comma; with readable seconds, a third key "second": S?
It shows {"hour": 8, "minute": 13}
